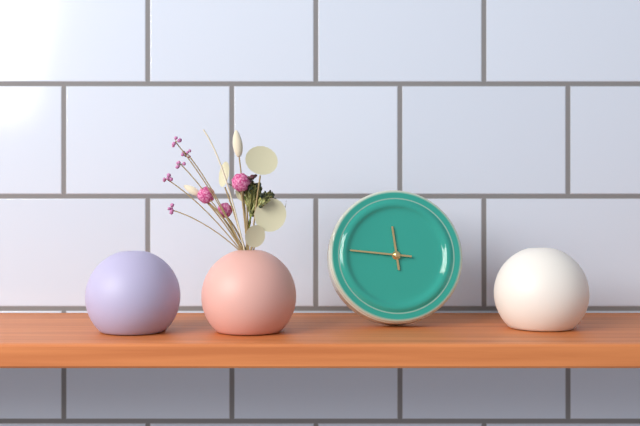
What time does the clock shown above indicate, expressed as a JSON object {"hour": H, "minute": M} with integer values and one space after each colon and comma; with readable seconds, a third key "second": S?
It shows {"hour": 11, "minute": 46}
